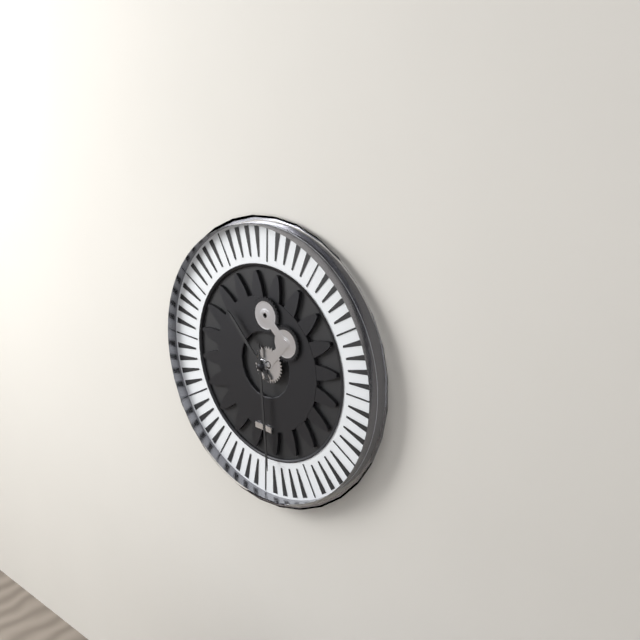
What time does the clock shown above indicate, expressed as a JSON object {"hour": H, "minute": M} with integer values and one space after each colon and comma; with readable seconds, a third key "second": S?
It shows {"hour": 10, "minute": 29}
